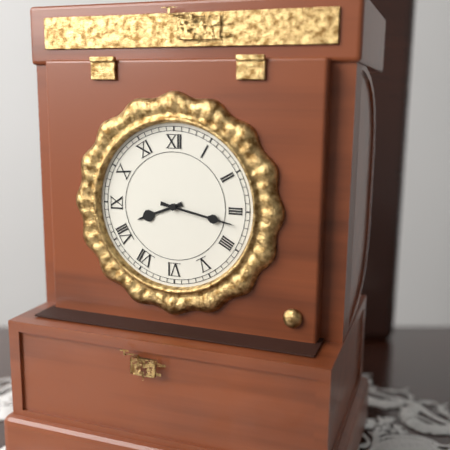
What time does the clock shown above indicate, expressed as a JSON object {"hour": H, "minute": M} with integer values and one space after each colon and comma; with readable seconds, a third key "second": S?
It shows {"hour": 8, "minute": 17}
